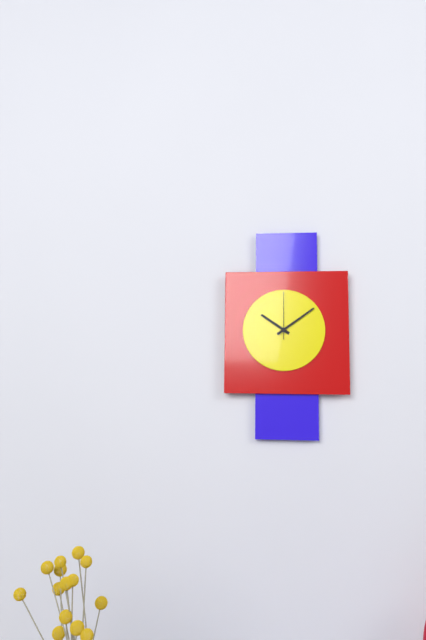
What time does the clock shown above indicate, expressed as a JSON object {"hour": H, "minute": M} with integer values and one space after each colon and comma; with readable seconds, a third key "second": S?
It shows {"hour": 10, "minute": 9}
